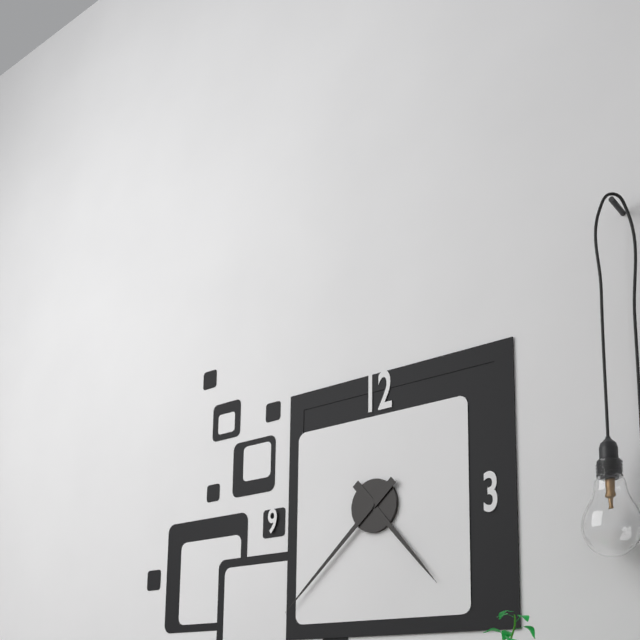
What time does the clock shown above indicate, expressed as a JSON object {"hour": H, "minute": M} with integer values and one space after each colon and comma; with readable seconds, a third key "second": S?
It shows {"hour": 4, "minute": 38}
